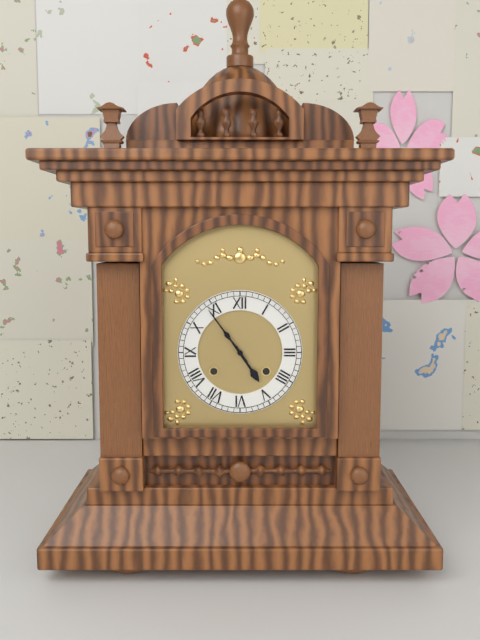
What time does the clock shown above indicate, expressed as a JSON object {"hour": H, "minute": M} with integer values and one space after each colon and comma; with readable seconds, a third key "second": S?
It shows {"hour": 4, "minute": 54}
